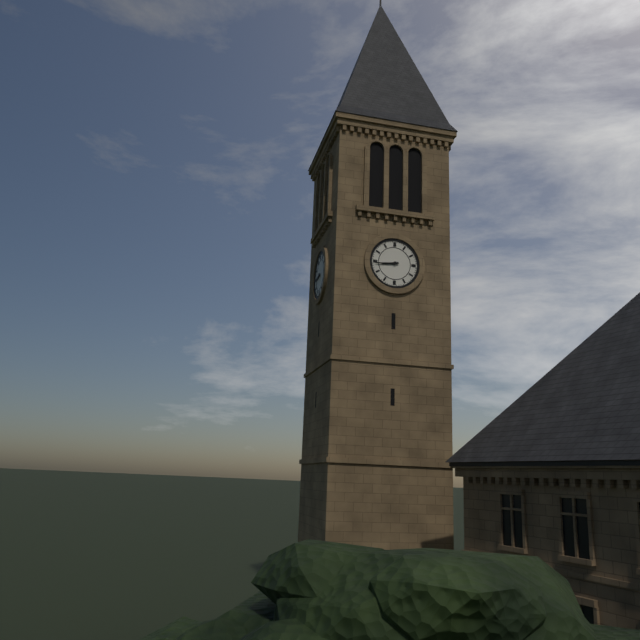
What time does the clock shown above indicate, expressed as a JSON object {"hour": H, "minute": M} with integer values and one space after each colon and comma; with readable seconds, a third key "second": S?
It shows {"hour": 8, "minute": 44}
